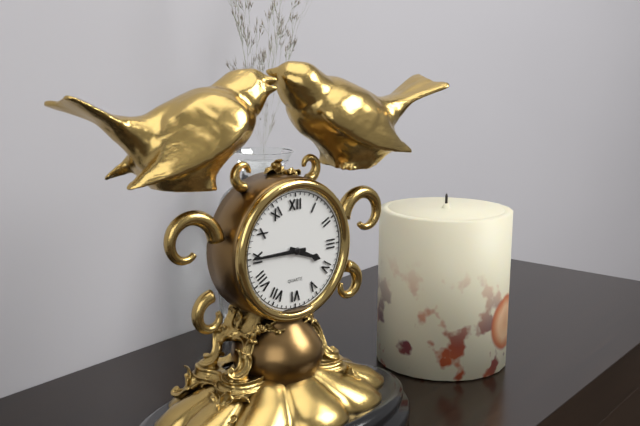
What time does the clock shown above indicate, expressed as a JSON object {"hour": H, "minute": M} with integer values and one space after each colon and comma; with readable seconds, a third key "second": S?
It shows {"hour": 3, "minute": 45}
